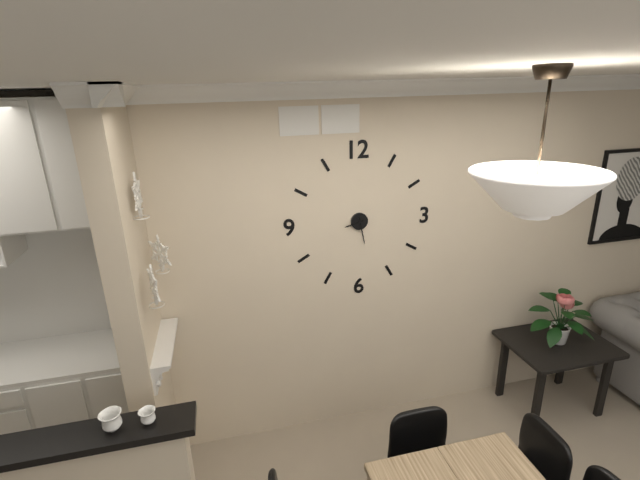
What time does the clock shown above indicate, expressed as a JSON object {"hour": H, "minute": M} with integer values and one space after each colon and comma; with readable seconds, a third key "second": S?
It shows {"hour": 8, "minute": 28}
